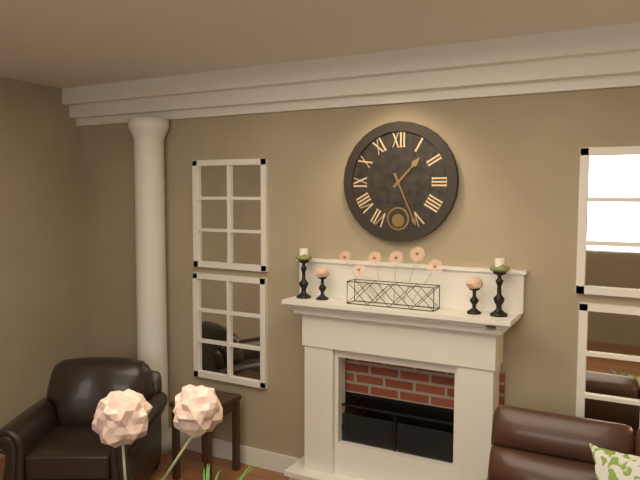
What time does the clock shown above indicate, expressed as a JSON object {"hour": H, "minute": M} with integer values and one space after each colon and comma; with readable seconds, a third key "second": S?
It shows {"hour": 1, "minute": 26}
